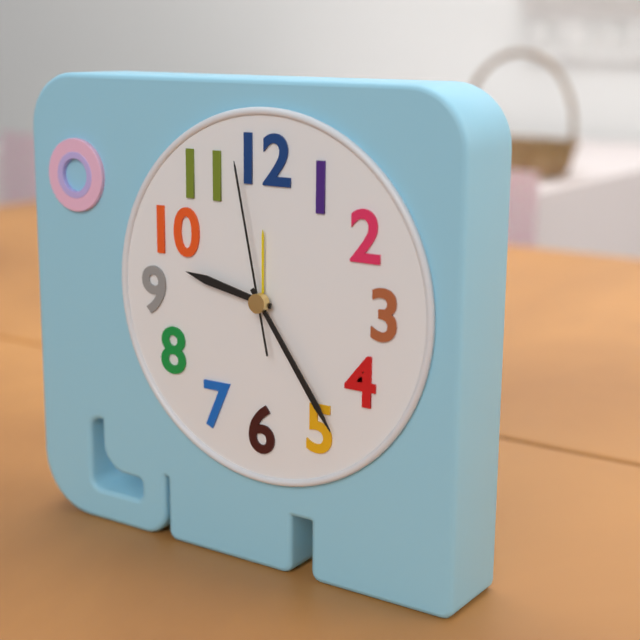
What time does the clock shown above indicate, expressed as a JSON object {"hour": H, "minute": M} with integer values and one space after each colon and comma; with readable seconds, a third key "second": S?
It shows {"hour": 9, "minute": 24, "second": 58}
